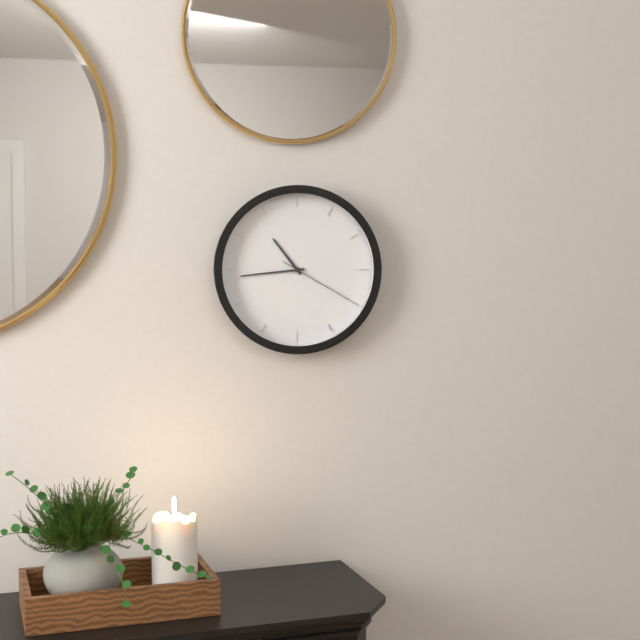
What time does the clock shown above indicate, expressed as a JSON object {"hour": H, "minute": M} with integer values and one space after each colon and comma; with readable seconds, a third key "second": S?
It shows {"hour": 10, "minute": 44, "second": 20}
